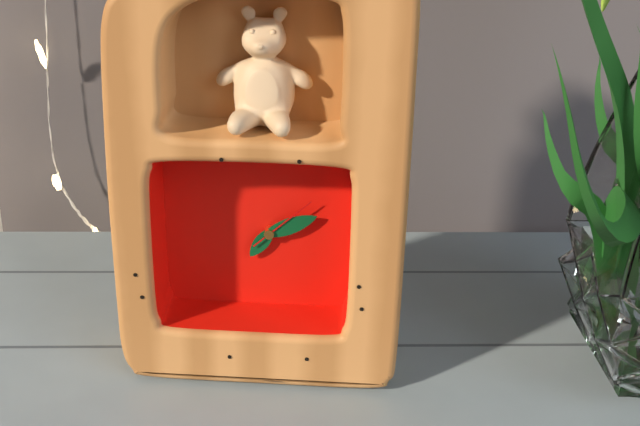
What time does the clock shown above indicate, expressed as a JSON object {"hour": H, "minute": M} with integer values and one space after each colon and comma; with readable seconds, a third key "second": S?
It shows {"hour": 7, "minute": 11, "second": 8}
